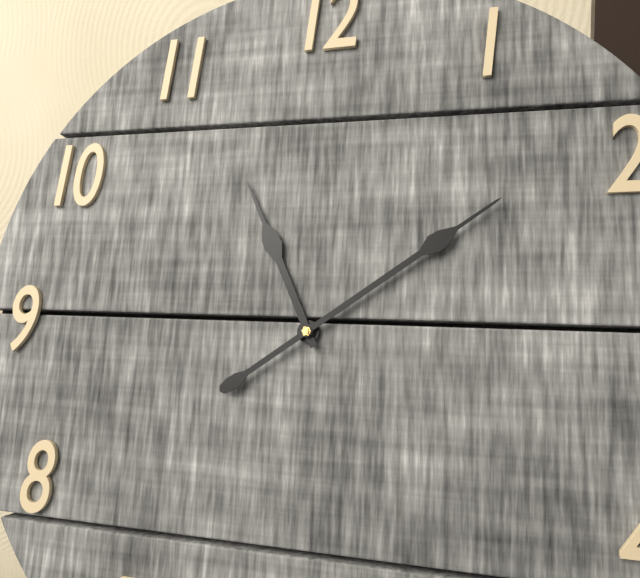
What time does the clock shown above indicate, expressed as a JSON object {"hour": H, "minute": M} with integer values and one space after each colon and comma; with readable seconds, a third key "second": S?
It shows {"hour": 11, "minute": 9}
